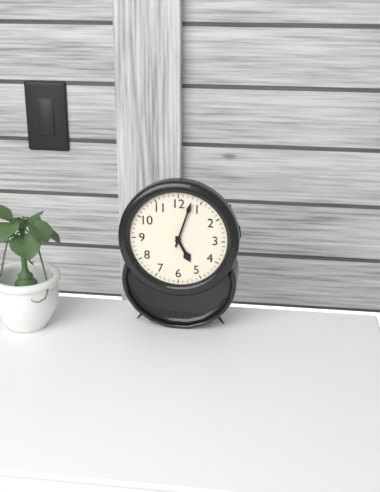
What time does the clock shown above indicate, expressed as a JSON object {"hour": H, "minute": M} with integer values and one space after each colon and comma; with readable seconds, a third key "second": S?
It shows {"hour": 5, "minute": 3}
